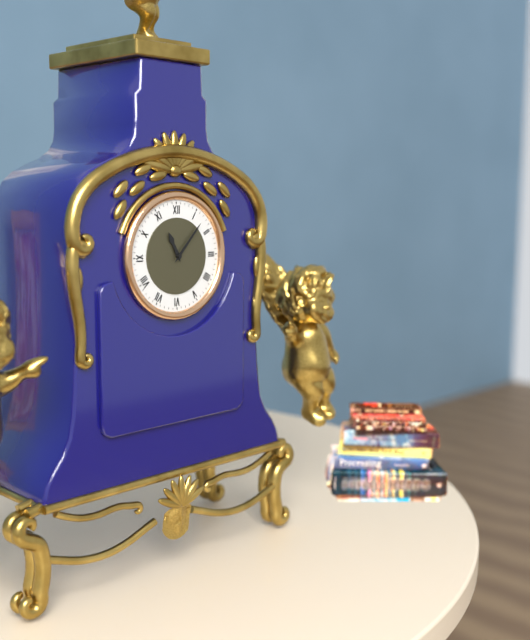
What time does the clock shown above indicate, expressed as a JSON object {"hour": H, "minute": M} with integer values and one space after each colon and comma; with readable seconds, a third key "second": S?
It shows {"hour": 11, "minute": 7}
